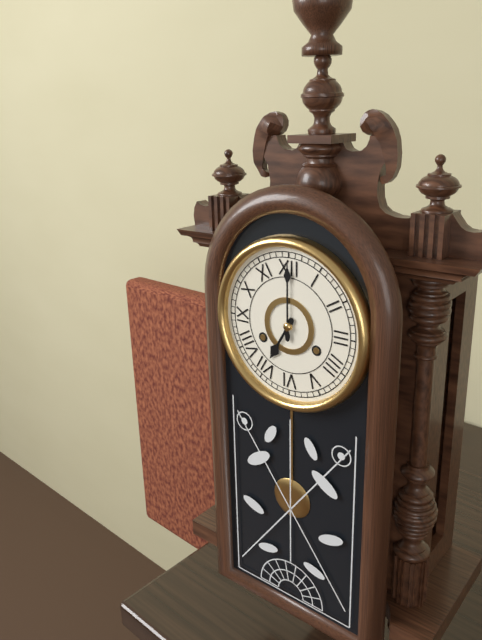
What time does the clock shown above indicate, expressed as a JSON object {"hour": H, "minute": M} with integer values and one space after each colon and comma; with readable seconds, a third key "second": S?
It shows {"hour": 7, "minute": 0}
